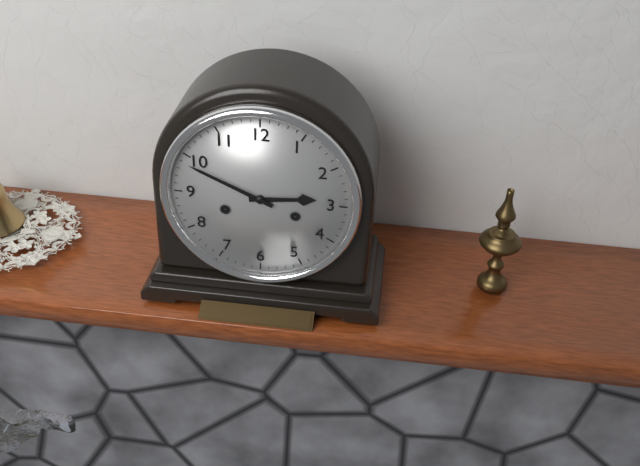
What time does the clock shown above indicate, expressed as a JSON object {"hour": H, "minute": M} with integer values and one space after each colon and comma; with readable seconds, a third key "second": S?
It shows {"hour": 2, "minute": 49}
